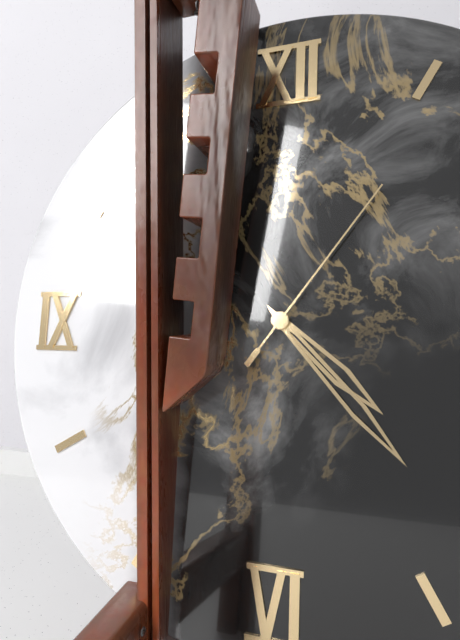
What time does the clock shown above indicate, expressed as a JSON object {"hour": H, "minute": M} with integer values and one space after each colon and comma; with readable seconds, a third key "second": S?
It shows {"hour": 4, "minute": 23, "second": 6}
